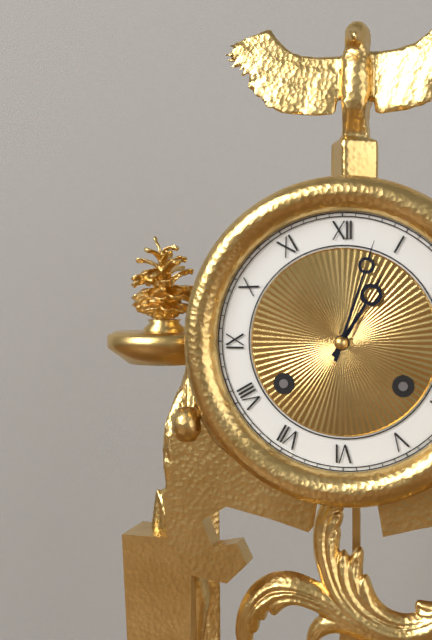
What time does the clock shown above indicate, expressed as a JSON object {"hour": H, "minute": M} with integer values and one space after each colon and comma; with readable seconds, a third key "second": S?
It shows {"hour": 1, "minute": 3}
